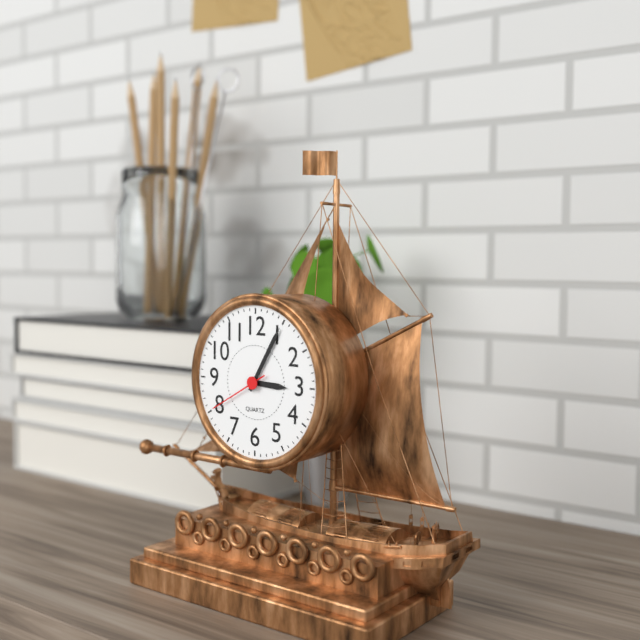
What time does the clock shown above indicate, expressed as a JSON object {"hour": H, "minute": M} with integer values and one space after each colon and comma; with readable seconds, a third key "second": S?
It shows {"hour": 3, "minute": 5, "second": 40}
